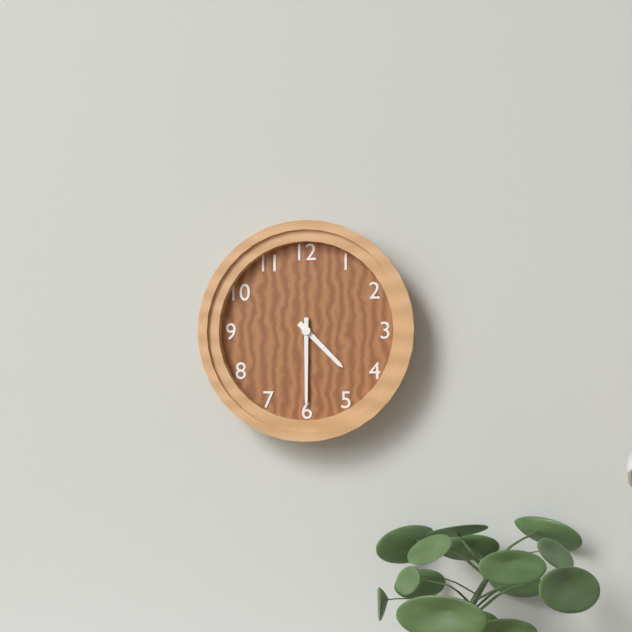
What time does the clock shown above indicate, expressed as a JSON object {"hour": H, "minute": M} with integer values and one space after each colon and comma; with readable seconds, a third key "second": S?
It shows {"hour": 4, "minute": 30}
